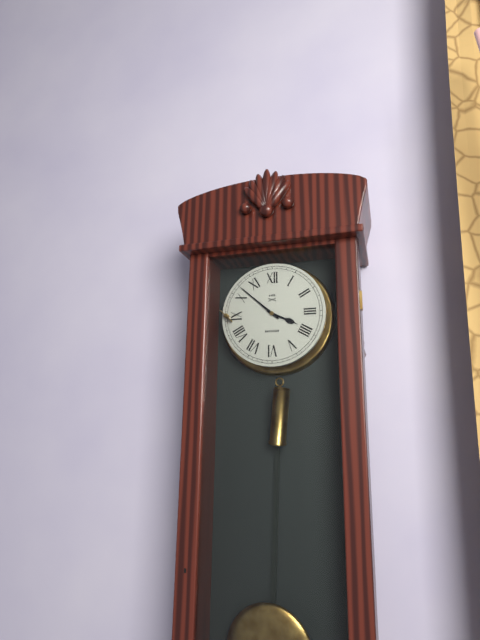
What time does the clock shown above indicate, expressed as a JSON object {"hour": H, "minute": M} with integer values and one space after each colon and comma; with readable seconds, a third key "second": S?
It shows {"hour": 3, "minute": 52}
